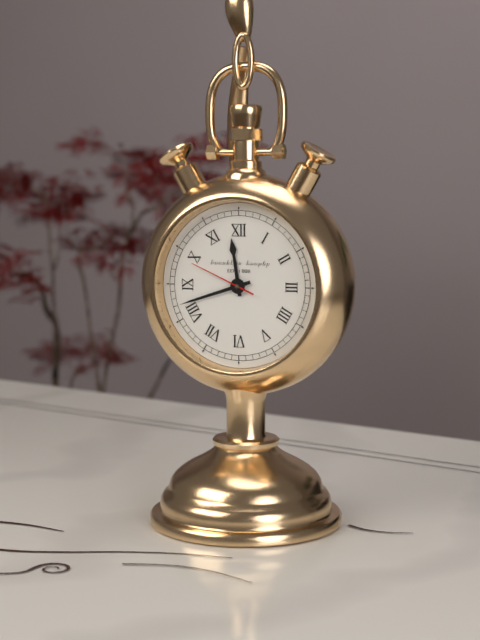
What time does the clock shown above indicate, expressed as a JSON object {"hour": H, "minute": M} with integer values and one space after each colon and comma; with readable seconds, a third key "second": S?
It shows {"hour": 11, "minute": 42, "second": 49}
